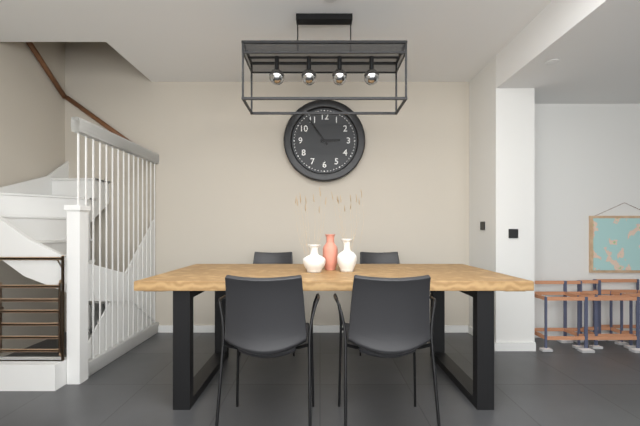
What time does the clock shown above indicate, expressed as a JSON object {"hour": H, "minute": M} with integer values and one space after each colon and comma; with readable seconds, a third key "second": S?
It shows {"hour": 2, "minute": 54}
